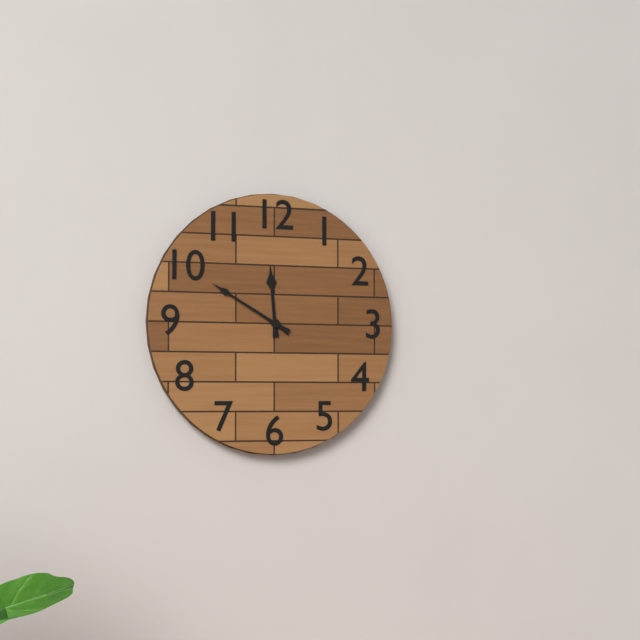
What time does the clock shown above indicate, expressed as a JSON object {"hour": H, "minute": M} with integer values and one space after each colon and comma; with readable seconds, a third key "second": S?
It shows {"hour": 11, "minute": 50}
